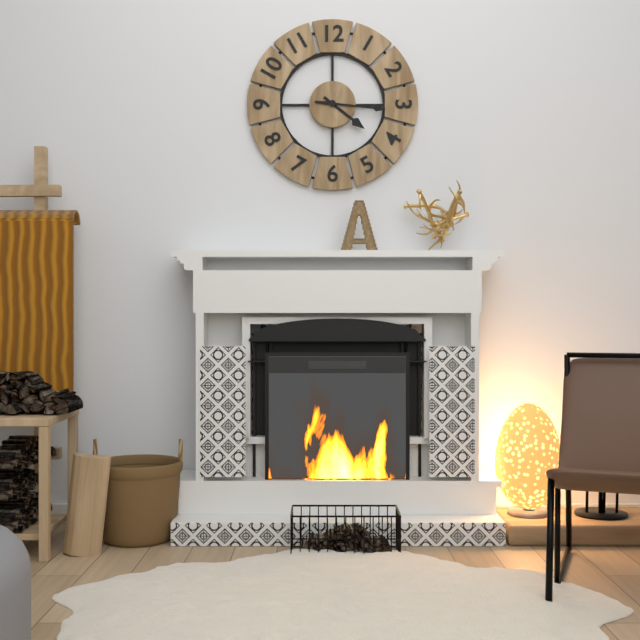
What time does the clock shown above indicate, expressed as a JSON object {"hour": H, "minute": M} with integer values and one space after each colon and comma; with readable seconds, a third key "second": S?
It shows {"hour": 4, "minute": 16}
